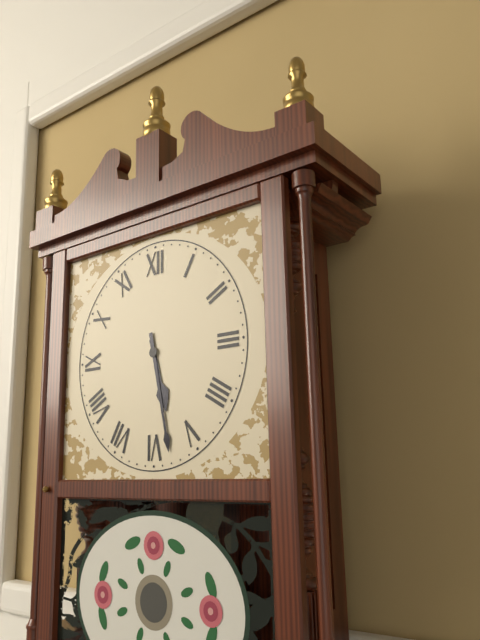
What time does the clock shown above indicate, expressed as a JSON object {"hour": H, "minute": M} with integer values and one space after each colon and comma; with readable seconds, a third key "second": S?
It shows {"hour": 5, "minute": 28}
